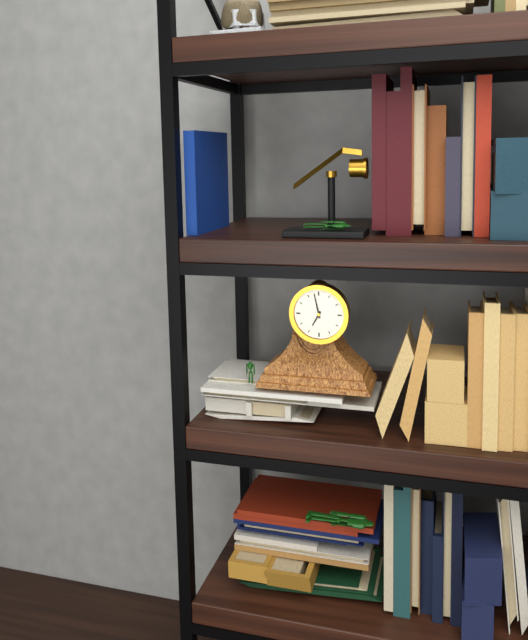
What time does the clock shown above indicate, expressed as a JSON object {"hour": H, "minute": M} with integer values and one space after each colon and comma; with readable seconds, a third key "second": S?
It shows {"hour": 6, "minute": 58}
